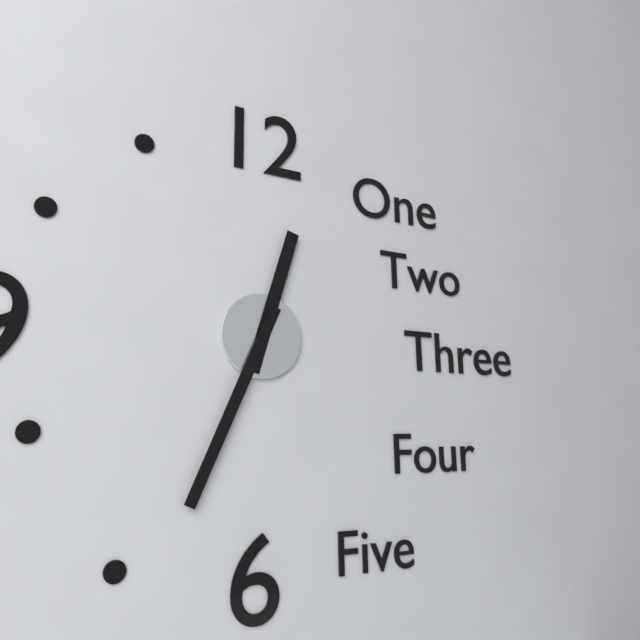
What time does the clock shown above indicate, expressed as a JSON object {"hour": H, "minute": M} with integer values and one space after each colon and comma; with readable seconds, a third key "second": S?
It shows {"hour": 12, "minute": 34}
